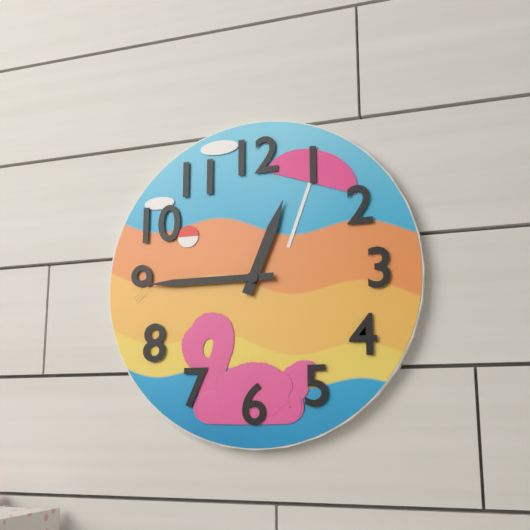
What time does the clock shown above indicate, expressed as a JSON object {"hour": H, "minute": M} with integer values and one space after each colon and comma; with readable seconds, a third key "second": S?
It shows {"hour": 12, "minute": 45}
